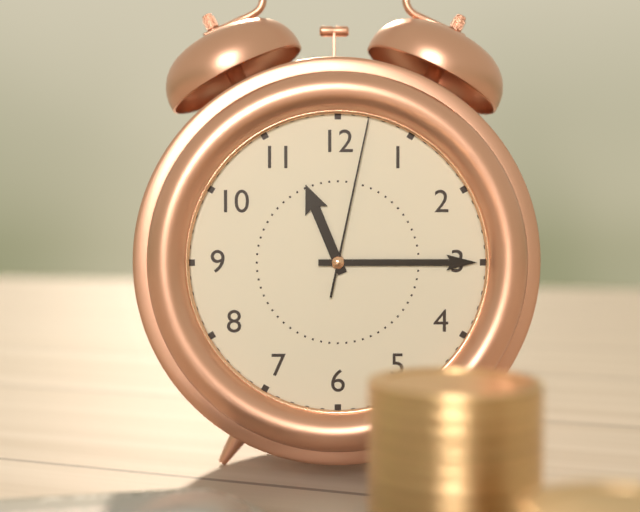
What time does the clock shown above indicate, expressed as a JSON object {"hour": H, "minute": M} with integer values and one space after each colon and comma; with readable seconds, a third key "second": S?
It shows {"hour": 11, "minute": 15, "second": 2}
